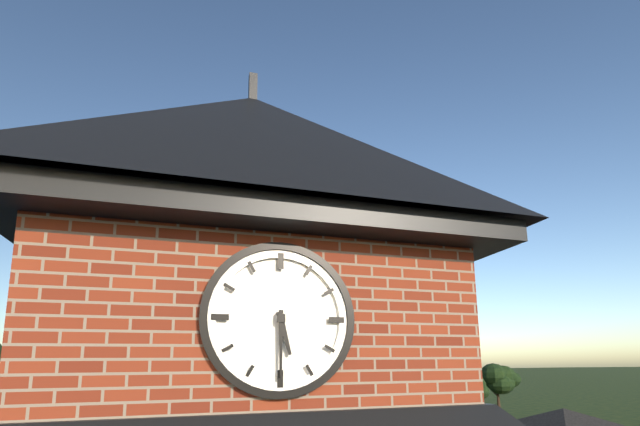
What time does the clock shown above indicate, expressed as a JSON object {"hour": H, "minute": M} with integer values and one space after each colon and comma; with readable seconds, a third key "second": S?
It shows {"hour": 5, "minute": 30}
